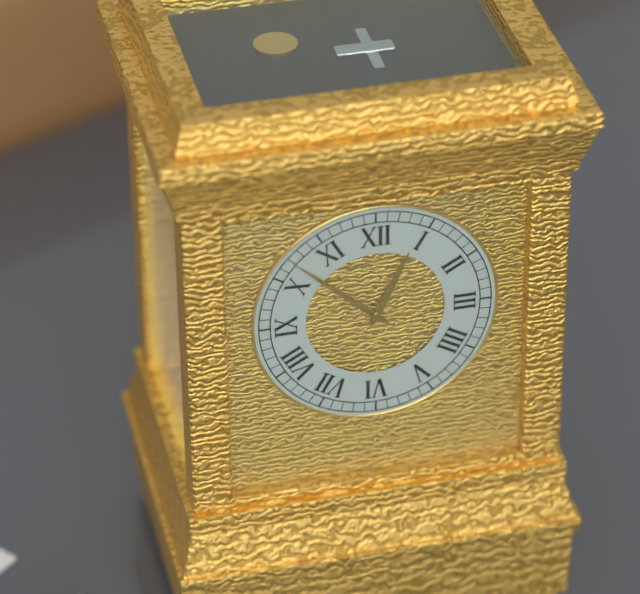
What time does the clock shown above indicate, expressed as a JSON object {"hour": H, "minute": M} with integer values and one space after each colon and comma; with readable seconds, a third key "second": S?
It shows {"hour": 12, "minute": 52}
